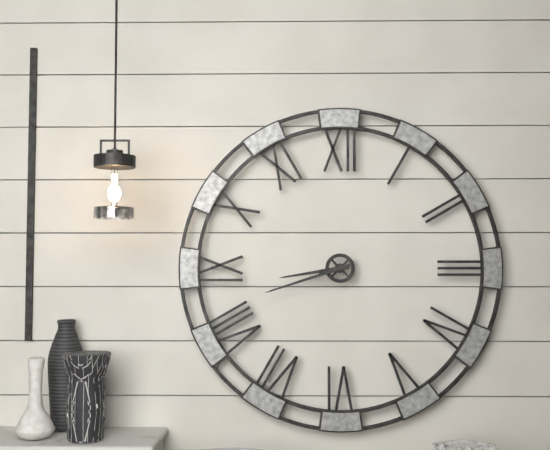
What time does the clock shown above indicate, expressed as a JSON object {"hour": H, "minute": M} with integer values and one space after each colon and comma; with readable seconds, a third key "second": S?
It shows {"hour": 8, "minute": 42}
